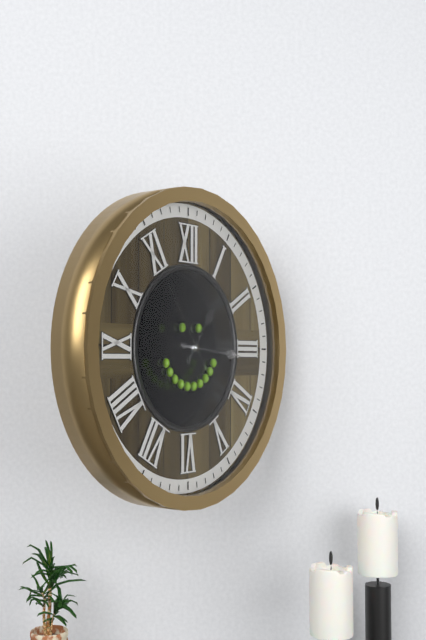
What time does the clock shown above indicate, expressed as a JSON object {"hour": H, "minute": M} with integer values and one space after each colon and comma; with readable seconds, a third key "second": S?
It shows {"hour": 1, "minute": 16, "second": 54}
